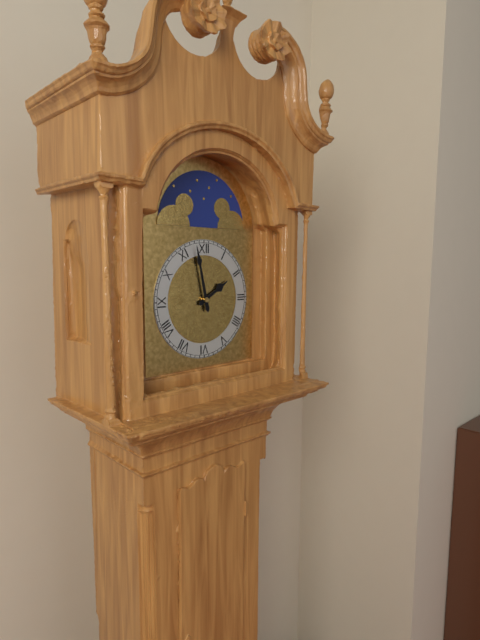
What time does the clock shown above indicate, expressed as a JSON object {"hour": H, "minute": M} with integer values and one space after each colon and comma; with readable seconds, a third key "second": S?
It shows {"hour": 1, "minute": 58}
